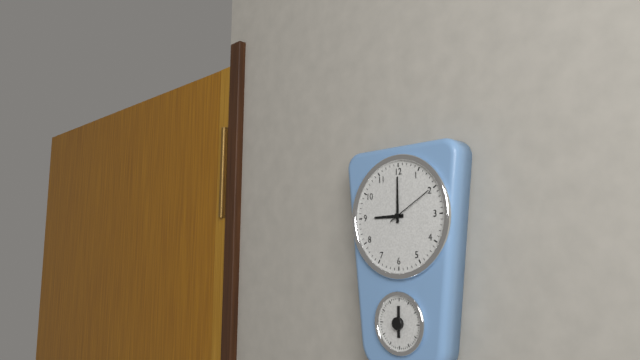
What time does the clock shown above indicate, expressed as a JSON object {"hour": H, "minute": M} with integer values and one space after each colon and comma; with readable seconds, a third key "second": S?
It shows {"hour": 9, "minute": 0}
